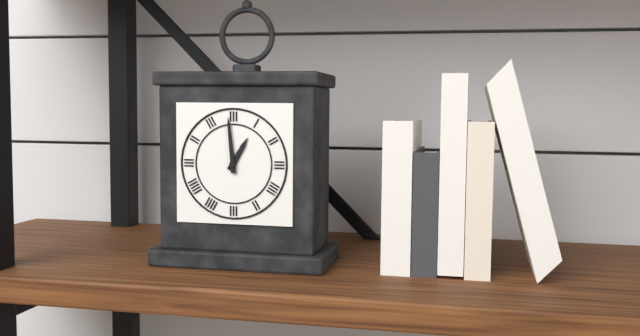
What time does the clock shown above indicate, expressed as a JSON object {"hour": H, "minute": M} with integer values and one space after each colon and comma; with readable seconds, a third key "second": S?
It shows {"hour": 12, "minute": 59}
